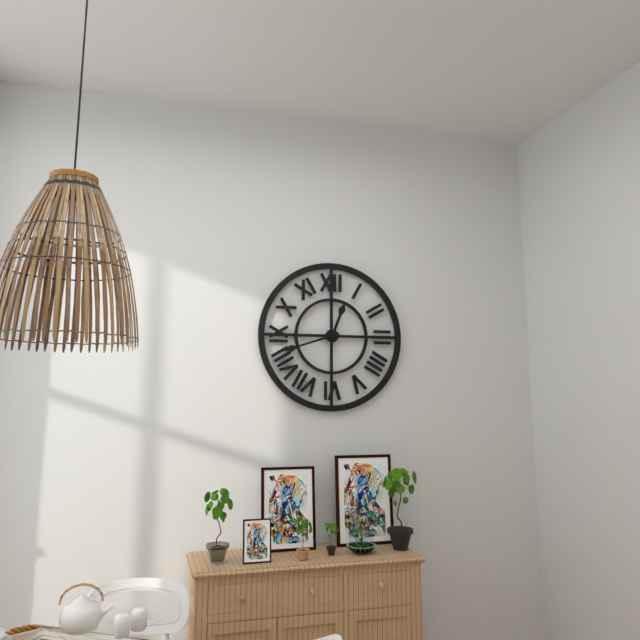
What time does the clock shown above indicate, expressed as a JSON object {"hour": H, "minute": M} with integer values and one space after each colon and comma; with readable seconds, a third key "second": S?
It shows {"hour": 12, "minute": 42}
